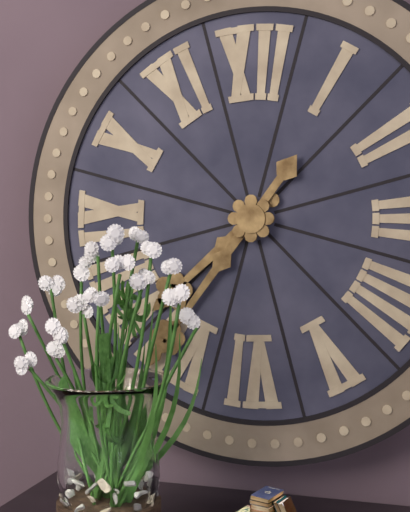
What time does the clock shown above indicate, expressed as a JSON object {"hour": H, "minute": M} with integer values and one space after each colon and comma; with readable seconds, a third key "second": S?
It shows {"hour": 7, "minute": 36}
